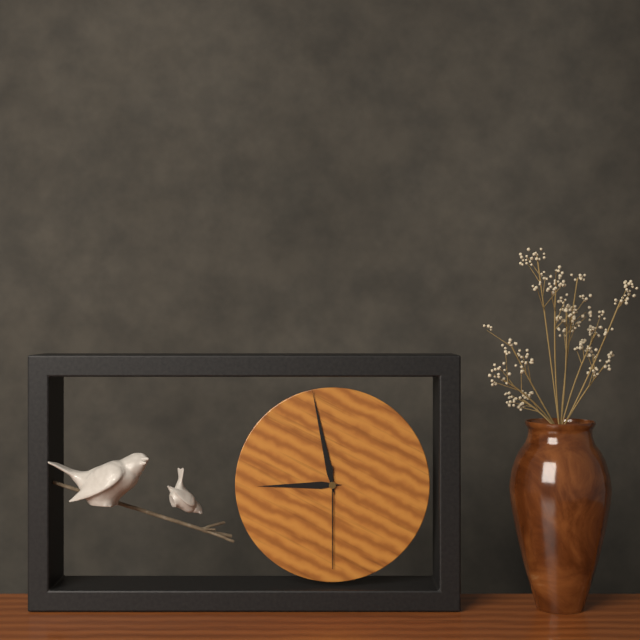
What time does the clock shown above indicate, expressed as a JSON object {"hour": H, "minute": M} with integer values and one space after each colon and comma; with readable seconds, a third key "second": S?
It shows {"hour": 8, "minute": 58, "second": 30}
